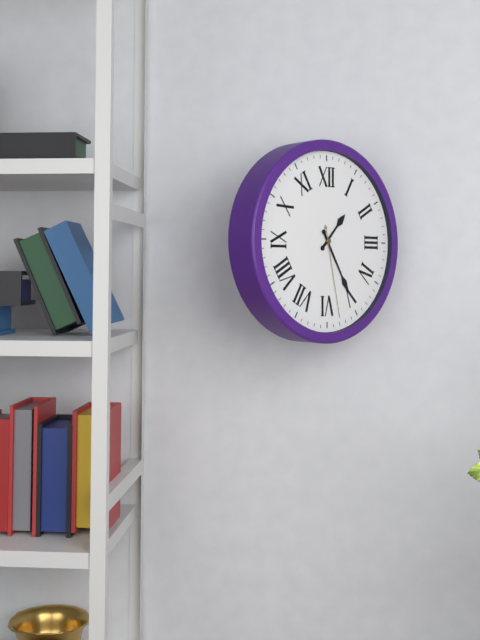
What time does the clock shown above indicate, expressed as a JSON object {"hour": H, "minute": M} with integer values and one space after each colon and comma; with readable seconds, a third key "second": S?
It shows {"hour": 1, "minute": 25, "second": 28}
